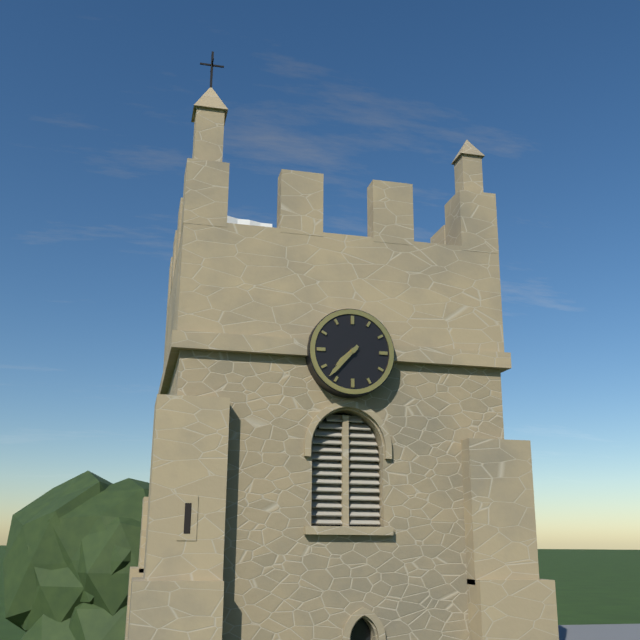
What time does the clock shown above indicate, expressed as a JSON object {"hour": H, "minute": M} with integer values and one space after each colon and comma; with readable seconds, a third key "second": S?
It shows {"hour": 7, "minute": 37}
